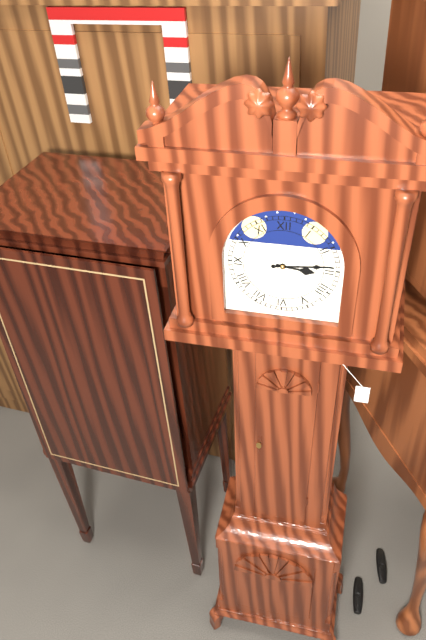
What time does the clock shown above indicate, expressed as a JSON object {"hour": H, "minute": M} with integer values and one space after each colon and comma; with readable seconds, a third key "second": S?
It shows {"hour": 3, "minute": 14}
